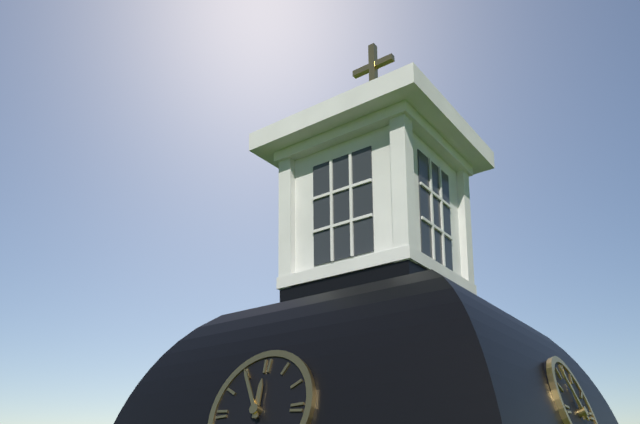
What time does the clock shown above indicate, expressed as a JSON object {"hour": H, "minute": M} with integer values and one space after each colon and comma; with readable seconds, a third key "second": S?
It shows {"hour": 11, "minute": 55}
